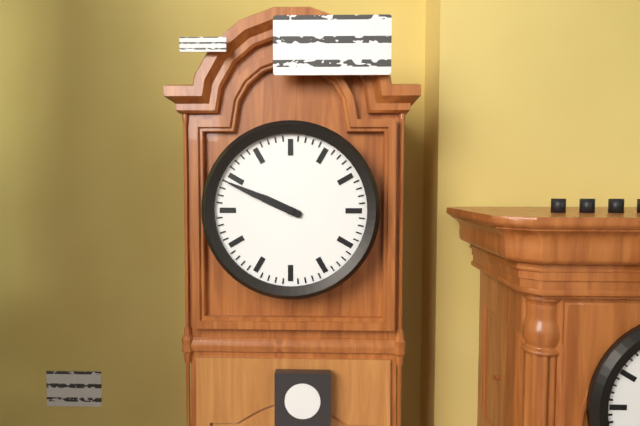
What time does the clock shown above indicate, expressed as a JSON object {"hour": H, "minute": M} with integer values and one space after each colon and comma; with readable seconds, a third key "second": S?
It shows {"hour": 9, "minute": 49}
